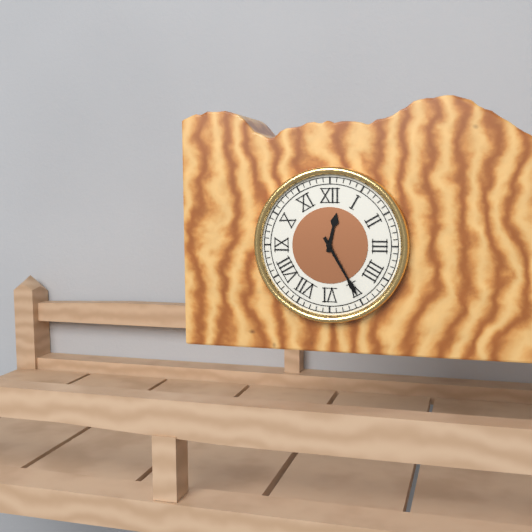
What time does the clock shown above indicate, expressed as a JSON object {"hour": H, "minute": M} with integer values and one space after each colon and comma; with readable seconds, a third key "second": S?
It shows {"hour": 12, "minute": 25}
